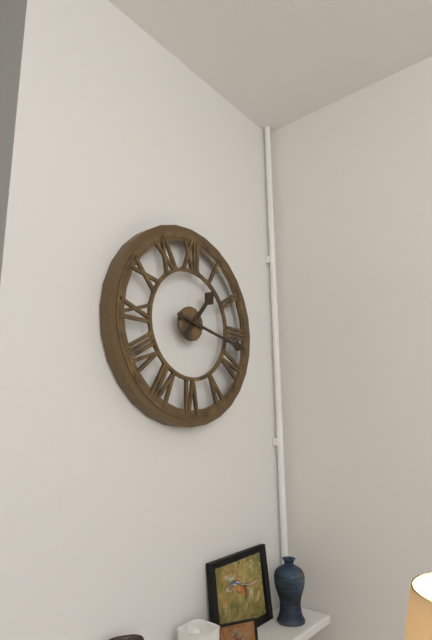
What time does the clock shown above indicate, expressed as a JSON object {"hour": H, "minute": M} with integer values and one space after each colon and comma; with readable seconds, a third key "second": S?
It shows {"hour": 1, "minute": 17}
